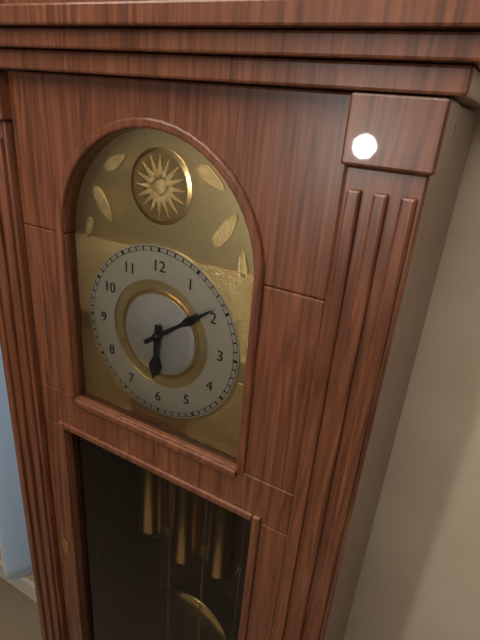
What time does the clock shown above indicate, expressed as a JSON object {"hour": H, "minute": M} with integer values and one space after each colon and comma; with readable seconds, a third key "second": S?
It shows {"hour": 6, "minute": 9}
